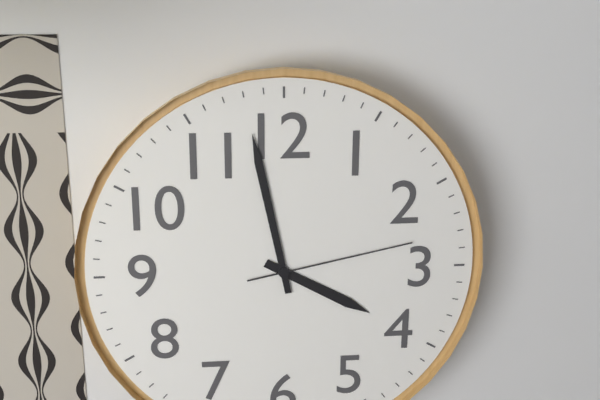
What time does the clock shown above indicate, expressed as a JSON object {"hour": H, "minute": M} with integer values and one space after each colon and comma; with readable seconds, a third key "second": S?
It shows {"hour": 3, "minute": 58, "second": 13}
